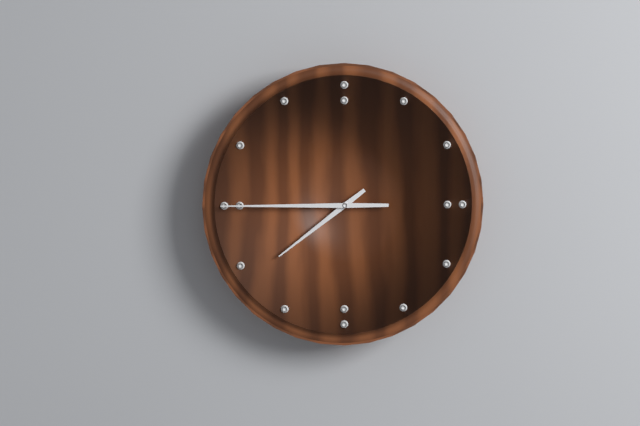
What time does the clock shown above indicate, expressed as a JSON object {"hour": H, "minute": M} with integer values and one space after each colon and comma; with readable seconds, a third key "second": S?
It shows {"hour": 7, "minute": 45}
